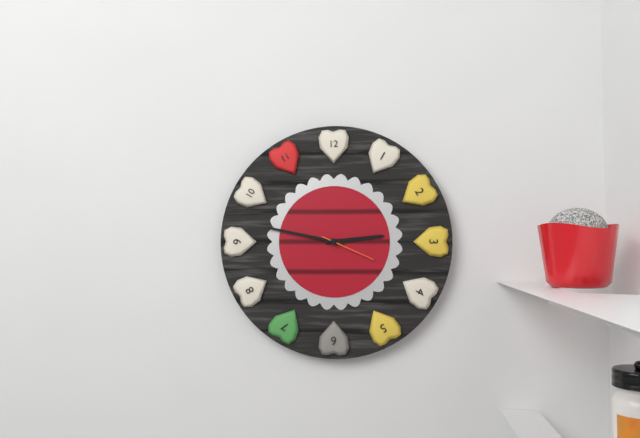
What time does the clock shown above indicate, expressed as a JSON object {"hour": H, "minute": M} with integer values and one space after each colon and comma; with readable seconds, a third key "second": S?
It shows {"hour": 2, "minute": 47, "second": 19}
